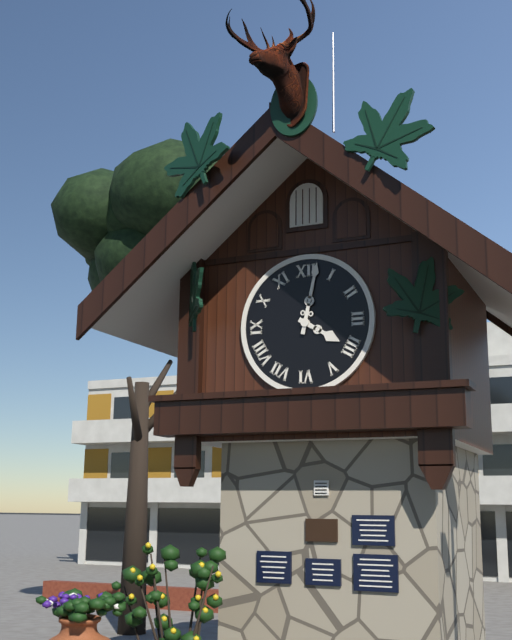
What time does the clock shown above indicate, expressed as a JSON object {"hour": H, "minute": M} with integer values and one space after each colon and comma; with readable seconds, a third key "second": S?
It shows {"hour": 4, "minute": 2}
